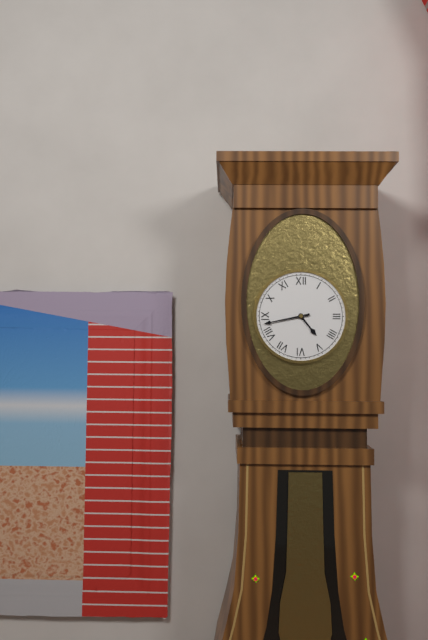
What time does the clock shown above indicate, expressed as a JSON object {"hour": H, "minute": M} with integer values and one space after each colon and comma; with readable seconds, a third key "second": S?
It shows {"hour": 4, "minute": 43}
